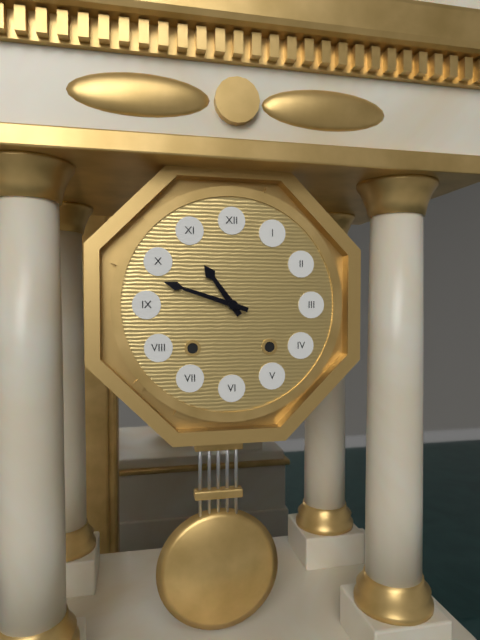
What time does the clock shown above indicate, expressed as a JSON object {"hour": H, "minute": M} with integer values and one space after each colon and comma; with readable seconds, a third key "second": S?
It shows {"hour": 10, "minute": 48}
